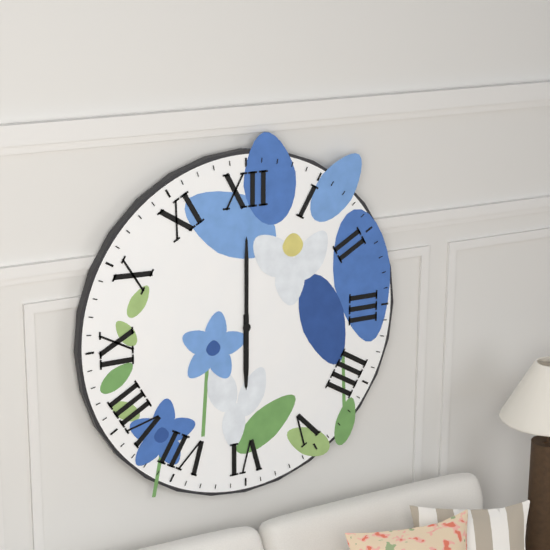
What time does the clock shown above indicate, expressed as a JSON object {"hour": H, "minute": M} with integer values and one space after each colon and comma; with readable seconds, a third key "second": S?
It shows {"hour": 6, "minute": 0}
